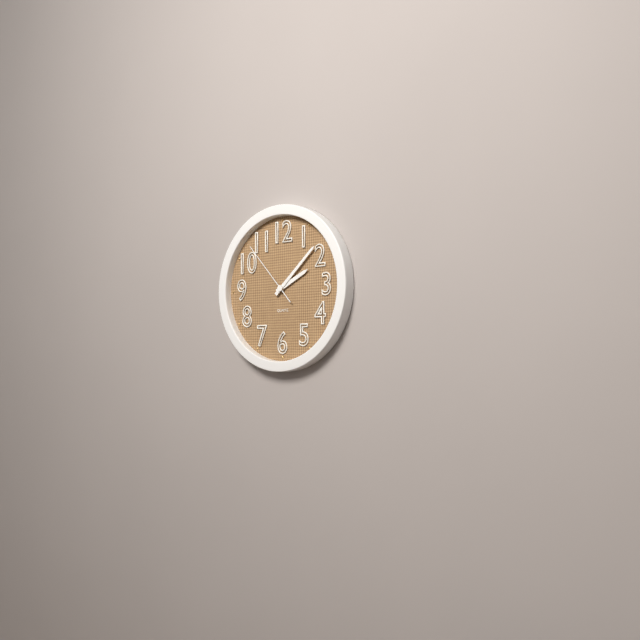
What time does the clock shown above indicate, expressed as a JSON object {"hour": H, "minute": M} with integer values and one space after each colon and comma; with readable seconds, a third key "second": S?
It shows {"hour": 2, "minute": 8, "second": 53}
